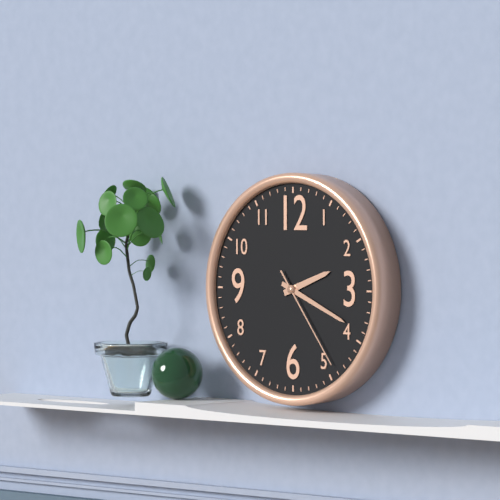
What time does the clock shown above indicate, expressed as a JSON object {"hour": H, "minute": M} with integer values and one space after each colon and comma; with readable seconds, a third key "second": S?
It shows {"hour": 2, "minute": 19, "second": 24}
